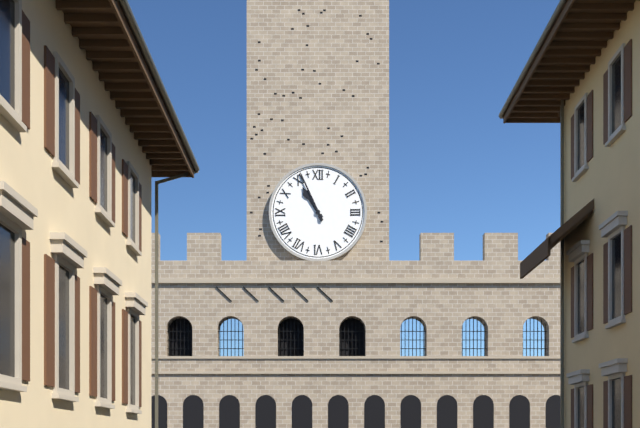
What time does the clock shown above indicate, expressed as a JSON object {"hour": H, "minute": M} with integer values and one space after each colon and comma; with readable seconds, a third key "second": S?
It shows {"hour": 10, "minute": 56}
